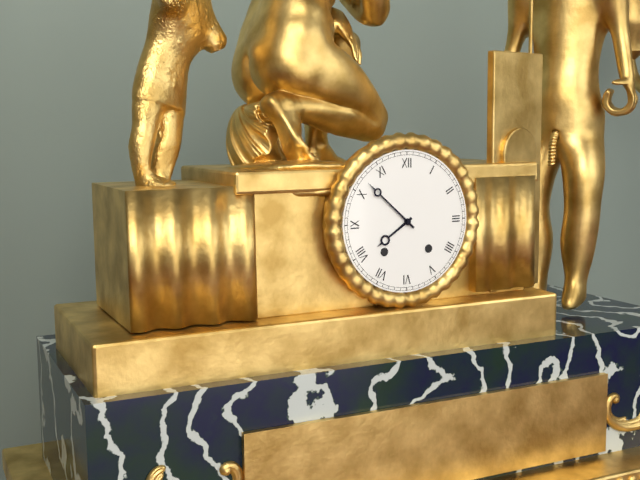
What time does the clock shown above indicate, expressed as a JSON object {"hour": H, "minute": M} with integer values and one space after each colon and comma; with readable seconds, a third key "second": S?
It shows {"hour": 7, "minute": 52}
